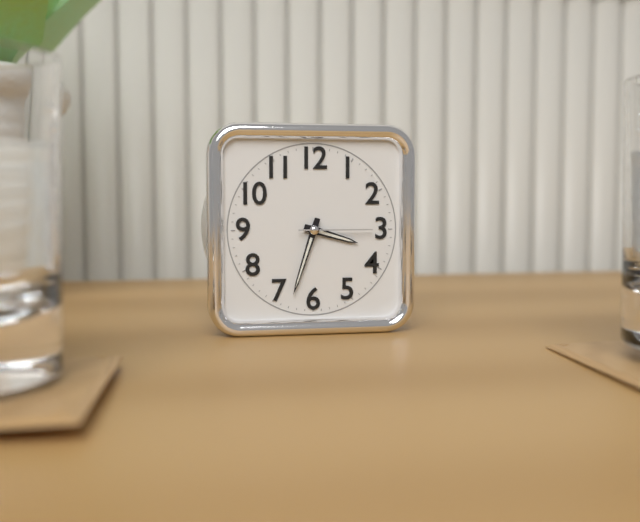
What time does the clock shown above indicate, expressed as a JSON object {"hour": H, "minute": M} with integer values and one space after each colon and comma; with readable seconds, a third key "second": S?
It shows {"hour": 3, "minute": 33, "second": 15}
